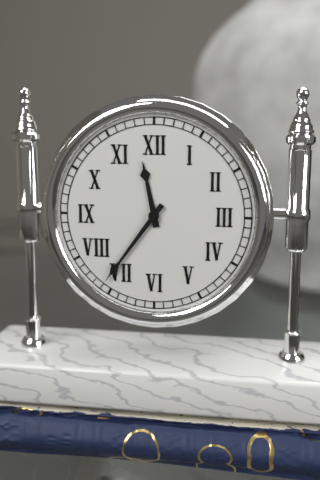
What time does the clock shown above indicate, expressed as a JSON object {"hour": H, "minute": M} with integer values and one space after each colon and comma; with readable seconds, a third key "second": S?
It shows {"hour": 11, "minute": 36}
